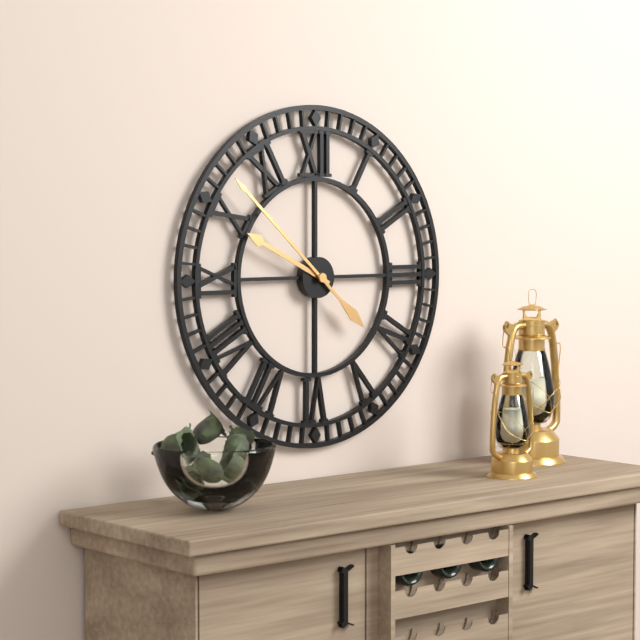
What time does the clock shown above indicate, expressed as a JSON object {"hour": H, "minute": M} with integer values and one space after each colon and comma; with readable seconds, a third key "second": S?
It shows {"hour": 9, "minute": 52}
